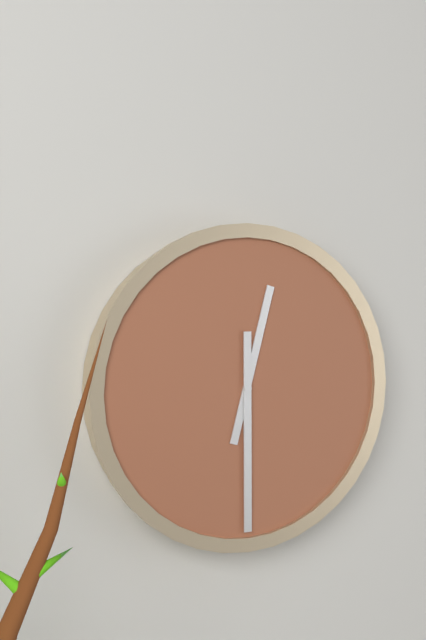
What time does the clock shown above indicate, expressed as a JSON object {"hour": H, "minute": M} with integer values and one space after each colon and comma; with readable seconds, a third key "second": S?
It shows {"hour": 12, "minute": 30}
